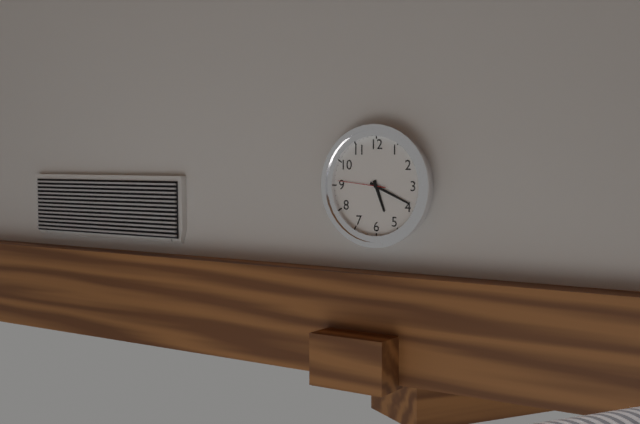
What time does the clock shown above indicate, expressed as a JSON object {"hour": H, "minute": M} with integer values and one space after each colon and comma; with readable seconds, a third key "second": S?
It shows {"hour": 5, "minute": 19}
